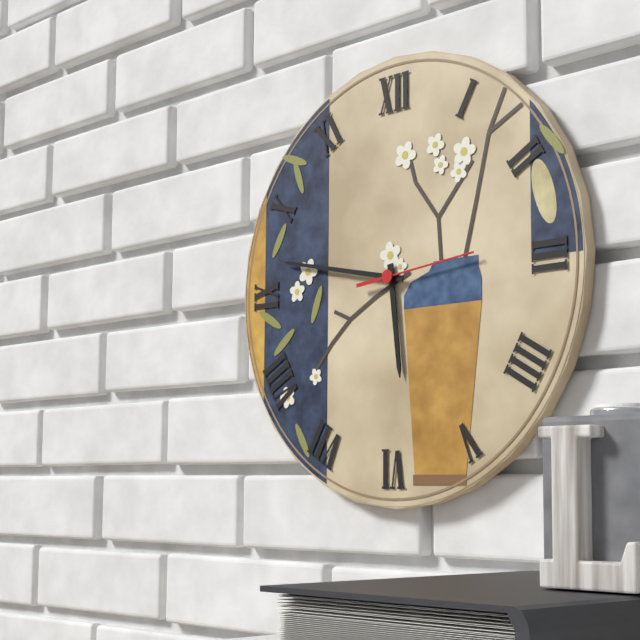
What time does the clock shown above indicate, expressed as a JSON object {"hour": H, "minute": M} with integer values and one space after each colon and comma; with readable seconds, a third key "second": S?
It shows {"hour": 5, "minute": 47, "second": 14}
